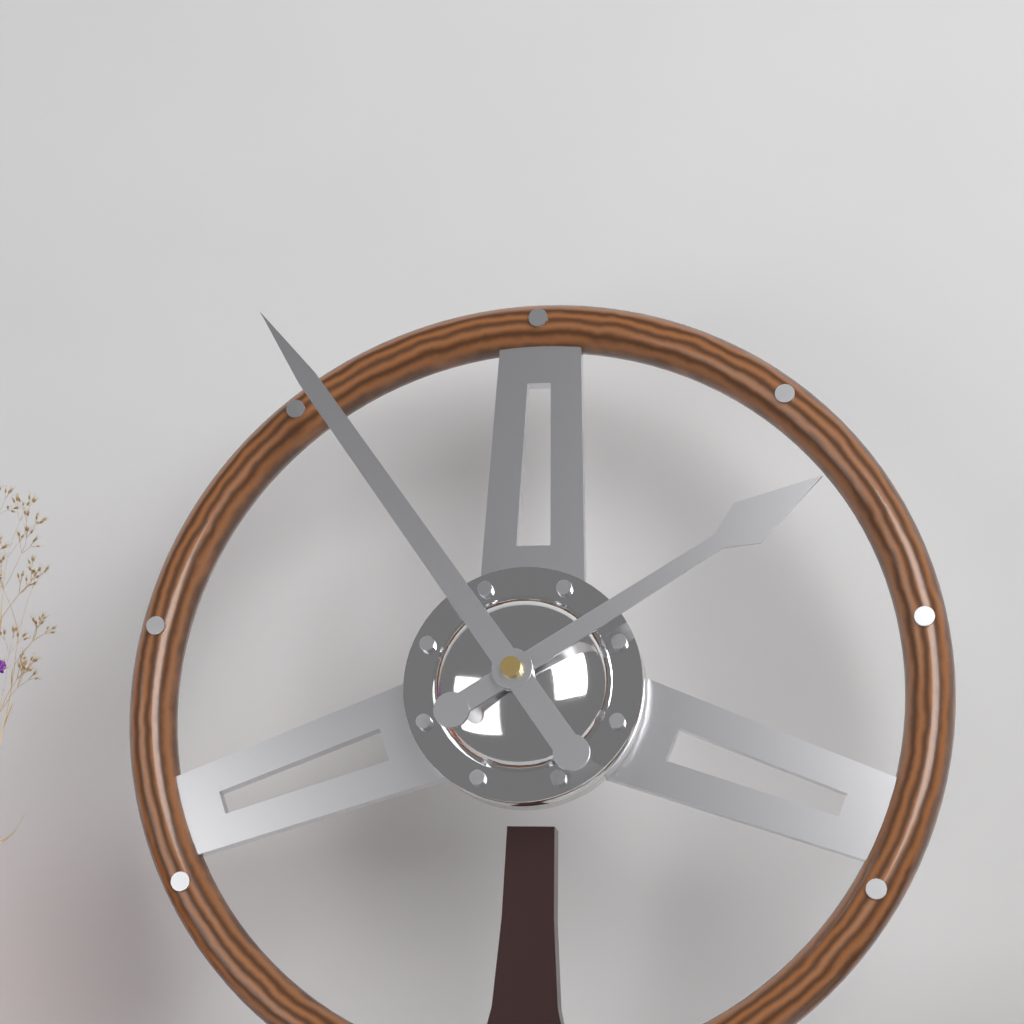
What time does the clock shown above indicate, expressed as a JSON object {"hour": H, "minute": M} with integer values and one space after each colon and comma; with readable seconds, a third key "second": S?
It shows {"hour": 1, "minute": 54}
